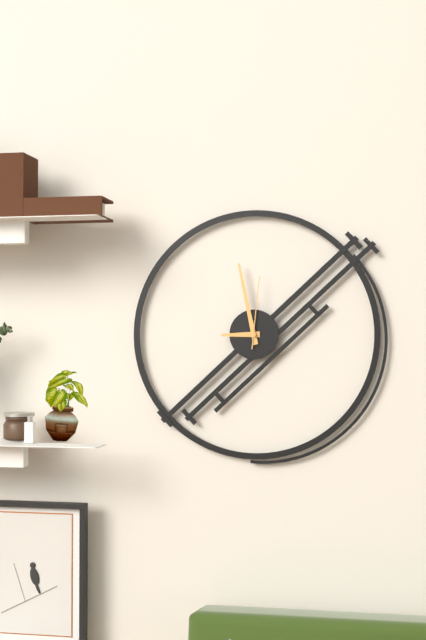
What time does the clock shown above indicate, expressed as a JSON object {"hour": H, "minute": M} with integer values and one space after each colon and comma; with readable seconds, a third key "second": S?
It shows {"hour": 8, "minute": 58, "second": 1}
